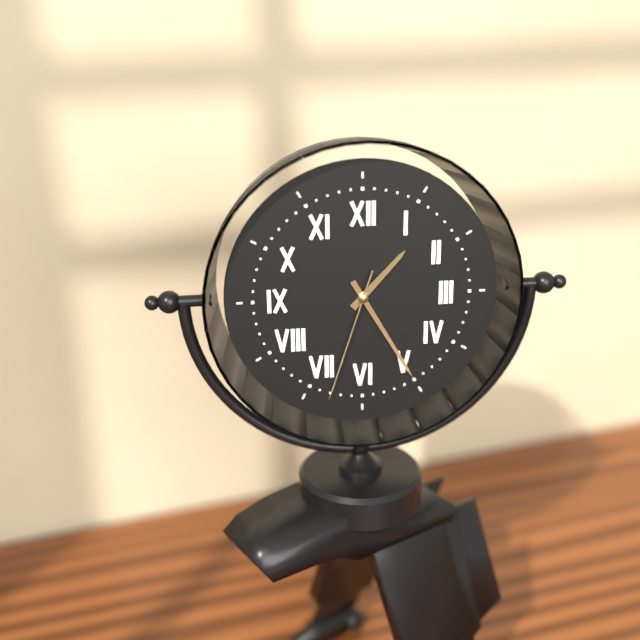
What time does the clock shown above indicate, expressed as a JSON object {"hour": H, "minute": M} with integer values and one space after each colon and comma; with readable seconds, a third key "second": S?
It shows {"hour": 1, "minute": 25, "second": 33}
